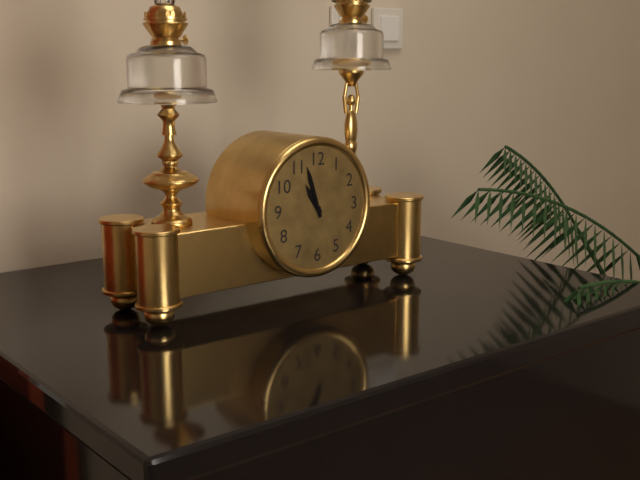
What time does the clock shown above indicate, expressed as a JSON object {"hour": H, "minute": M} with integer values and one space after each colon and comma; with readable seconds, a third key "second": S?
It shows {"hour": 10, "minute": 57}
